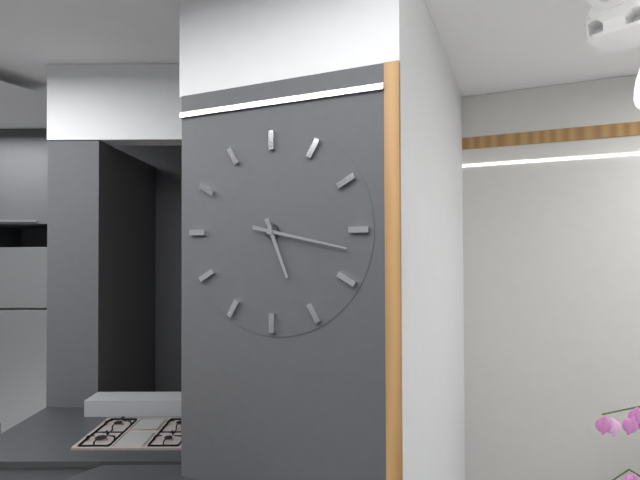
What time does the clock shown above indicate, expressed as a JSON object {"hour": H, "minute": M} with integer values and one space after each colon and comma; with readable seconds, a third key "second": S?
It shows {"hour": 5, "minute": 17}
